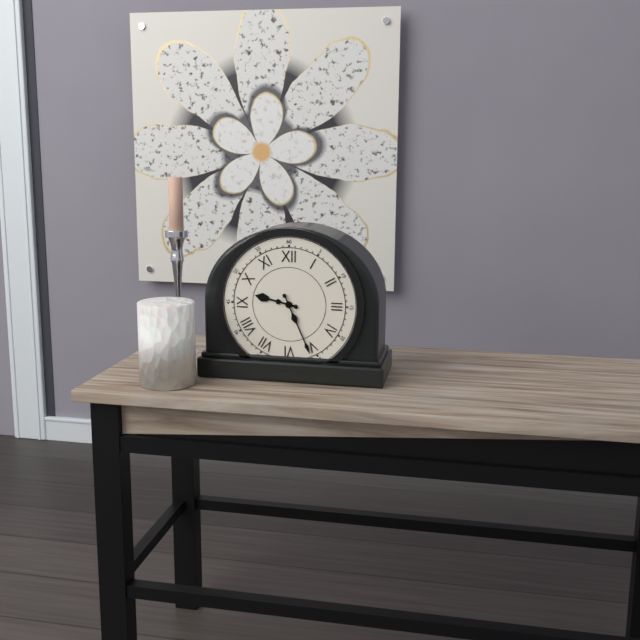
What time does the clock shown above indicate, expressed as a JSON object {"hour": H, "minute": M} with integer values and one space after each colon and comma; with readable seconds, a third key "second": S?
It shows {"hour": 9, "minute": 26}
